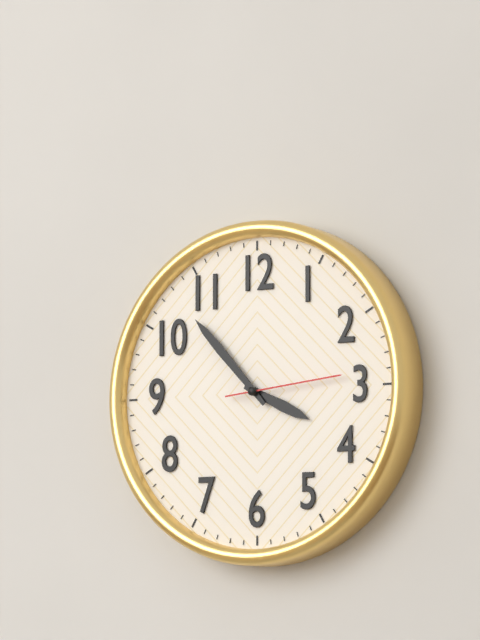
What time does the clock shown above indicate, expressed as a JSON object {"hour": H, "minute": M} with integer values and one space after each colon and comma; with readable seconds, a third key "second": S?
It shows {"hour": 3, "minute": 53, "second": 14}
